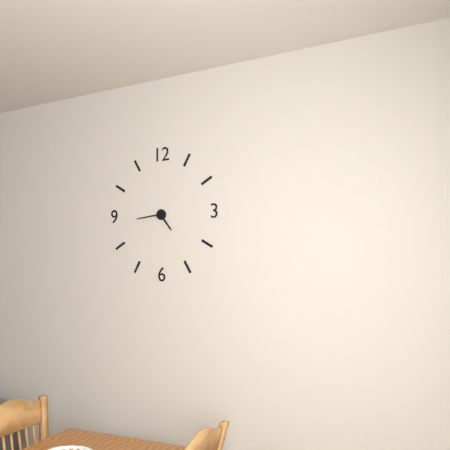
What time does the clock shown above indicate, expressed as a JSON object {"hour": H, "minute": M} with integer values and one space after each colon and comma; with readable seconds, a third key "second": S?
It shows {"hour": 4, "minute": 44}
